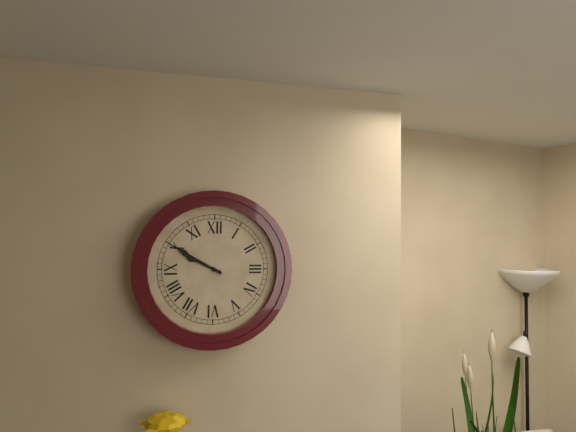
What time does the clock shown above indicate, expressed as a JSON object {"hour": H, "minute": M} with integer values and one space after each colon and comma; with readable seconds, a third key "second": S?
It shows {"hour": 9, "minute": 50}
